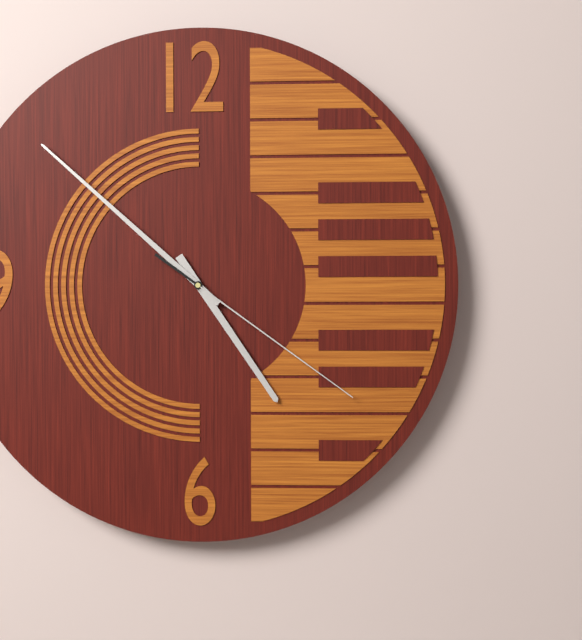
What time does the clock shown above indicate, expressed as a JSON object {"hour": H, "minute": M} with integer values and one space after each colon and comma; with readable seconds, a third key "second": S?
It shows {"hour": 4, "minute": 52, "second": 21}
